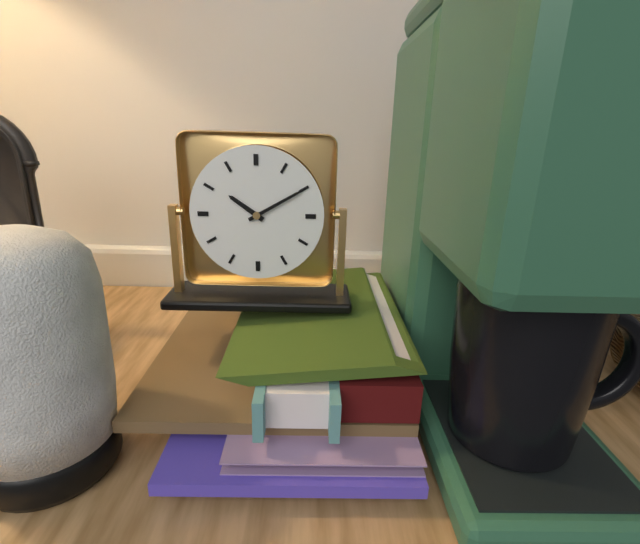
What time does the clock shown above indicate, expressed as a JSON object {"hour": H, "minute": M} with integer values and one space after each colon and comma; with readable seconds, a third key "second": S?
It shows {"hour": 10, "minute": 10}
